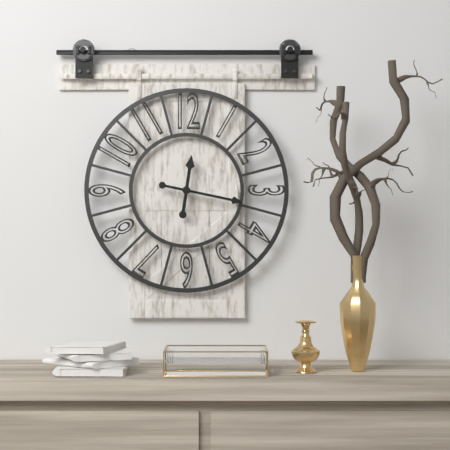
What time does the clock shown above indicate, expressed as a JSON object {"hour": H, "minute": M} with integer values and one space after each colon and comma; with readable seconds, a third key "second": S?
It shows {"hour": 12, "minute": 17}
